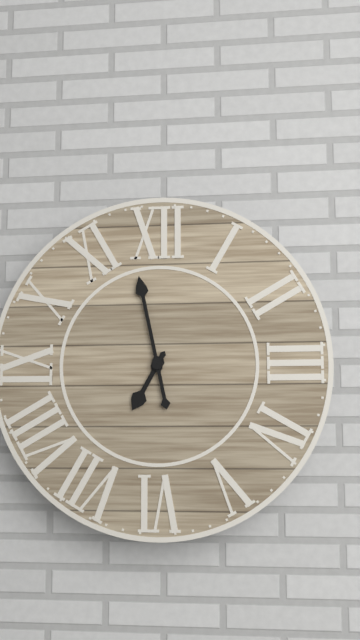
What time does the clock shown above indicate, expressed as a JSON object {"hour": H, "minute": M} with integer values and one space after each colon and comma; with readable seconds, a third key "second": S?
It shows {"hour": 6, "minute": 58}
